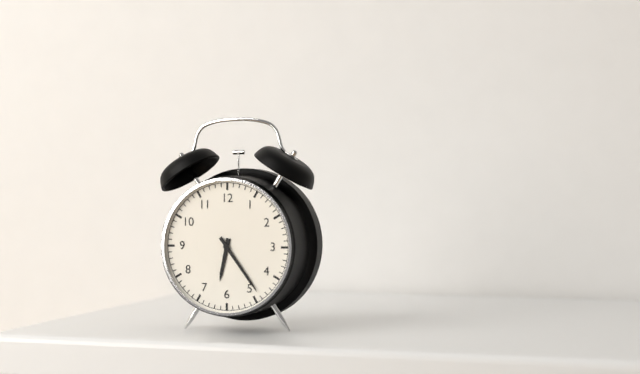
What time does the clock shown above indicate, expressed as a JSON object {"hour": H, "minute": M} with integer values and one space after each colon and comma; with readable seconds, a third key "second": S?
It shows {"hour": 6, "minute": 24}
